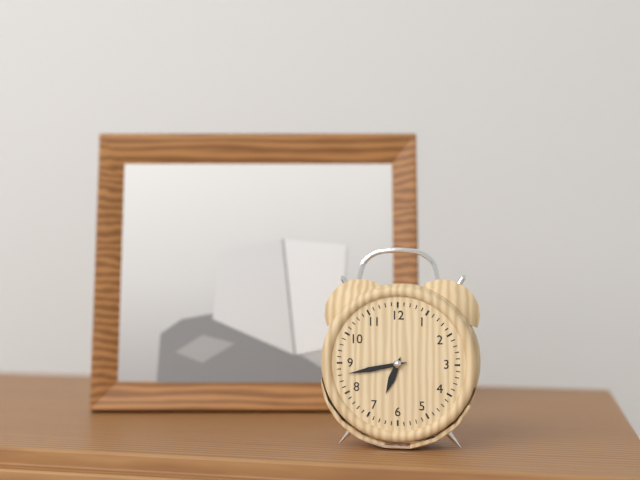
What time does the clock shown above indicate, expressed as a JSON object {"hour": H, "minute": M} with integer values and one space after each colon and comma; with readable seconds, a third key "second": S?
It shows {"hour": 6, "minute": 43}
